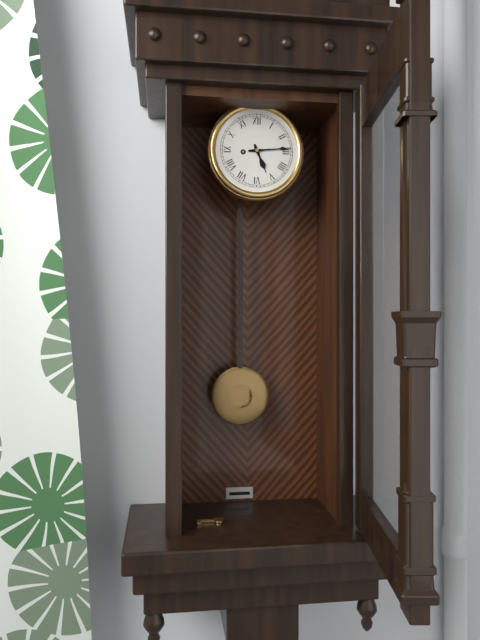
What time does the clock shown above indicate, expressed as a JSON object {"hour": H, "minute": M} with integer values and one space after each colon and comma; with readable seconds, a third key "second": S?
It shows {"hour": 5, "minute": 14}
